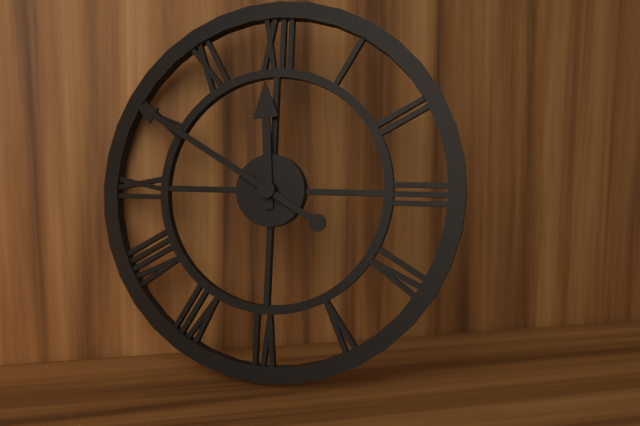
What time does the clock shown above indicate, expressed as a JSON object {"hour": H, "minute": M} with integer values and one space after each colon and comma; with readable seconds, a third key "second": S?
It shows {"hour": 11, "minute": 50}
